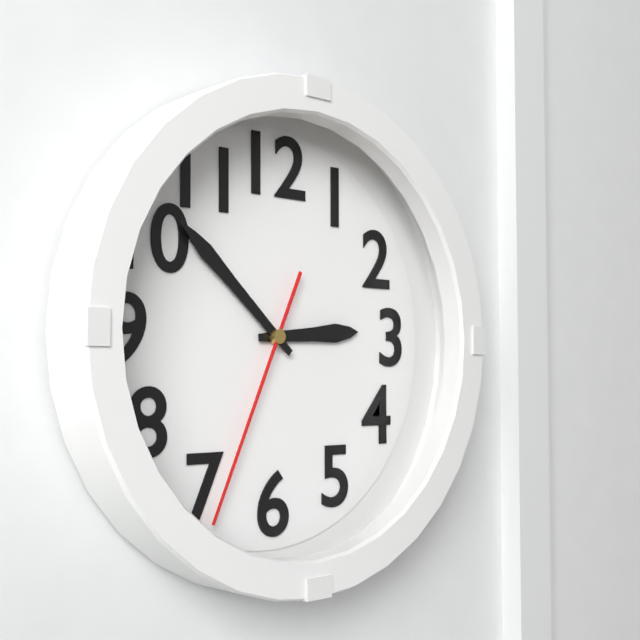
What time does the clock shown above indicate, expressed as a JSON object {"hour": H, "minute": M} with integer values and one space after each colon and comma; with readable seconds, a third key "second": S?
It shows {"hour": 2, "minute": 52, "second": 34}
